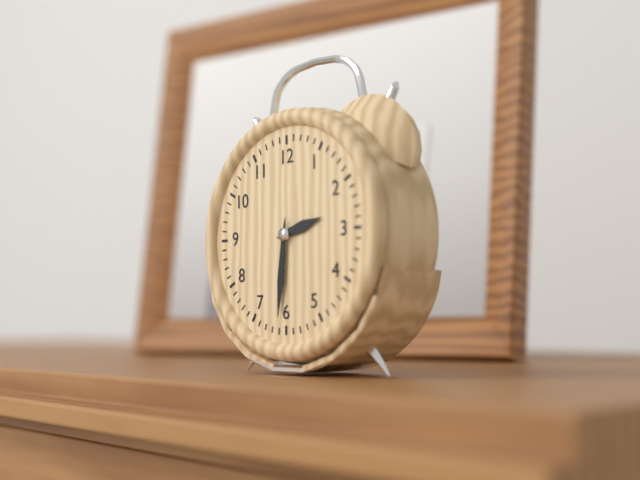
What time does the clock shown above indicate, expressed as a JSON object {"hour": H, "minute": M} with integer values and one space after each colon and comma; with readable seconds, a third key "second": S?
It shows {"hour": 2, "minute": 31}
